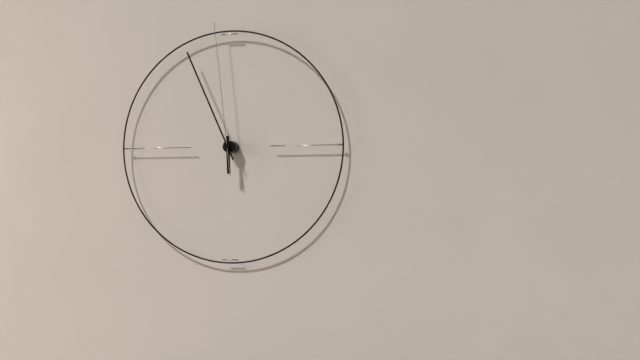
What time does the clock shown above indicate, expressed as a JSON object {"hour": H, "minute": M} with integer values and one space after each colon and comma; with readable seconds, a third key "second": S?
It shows {"hour": 5, "minute": 56, "second": 59}
